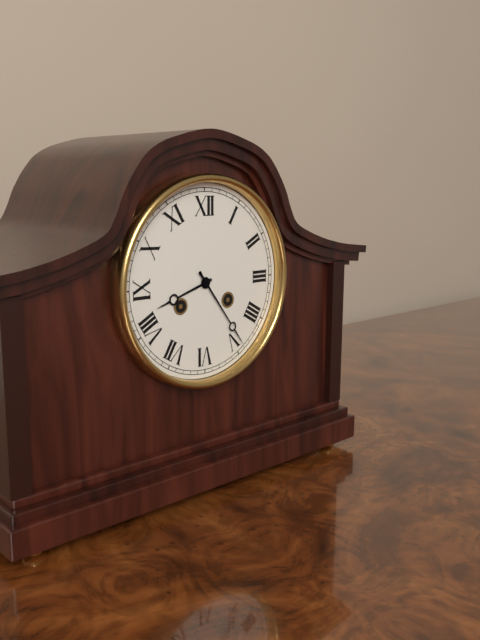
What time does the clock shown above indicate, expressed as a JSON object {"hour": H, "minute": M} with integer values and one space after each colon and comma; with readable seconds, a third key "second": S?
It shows {"hour": 8, "minute": 24}
